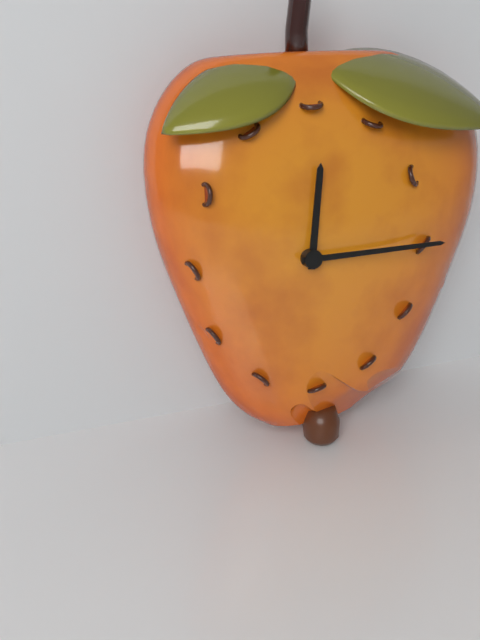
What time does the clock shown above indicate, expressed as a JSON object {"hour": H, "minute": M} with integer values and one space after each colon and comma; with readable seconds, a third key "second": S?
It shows {"hour": 12, "minute": 15}
